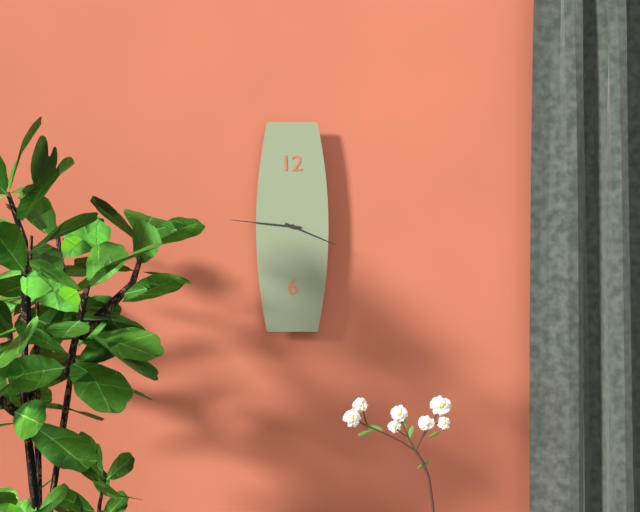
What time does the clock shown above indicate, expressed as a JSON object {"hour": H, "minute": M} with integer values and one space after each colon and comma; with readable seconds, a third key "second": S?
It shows {"hour": 3, "minute": 46}
